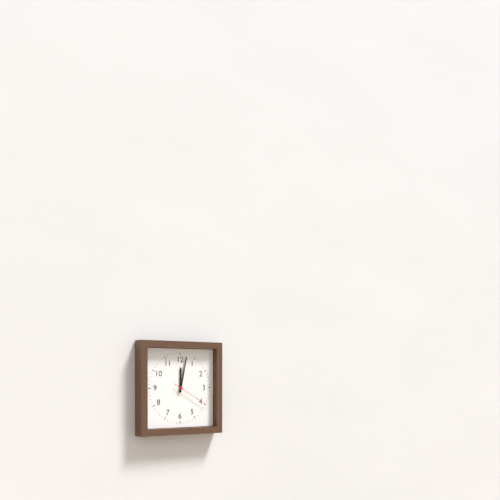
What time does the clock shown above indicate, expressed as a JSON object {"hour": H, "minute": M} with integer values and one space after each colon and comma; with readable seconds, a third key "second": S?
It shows {"hour": 12, "minute": 2}
